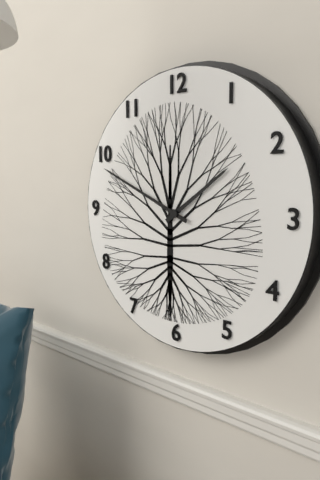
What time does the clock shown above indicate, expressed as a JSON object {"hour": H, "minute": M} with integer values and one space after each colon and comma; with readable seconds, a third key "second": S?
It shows {"hour": 1, "minute": 49}
